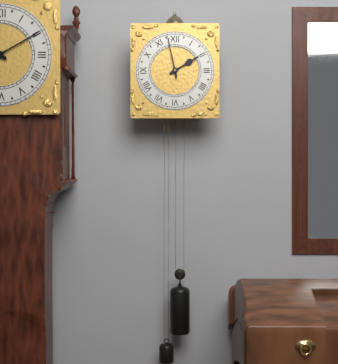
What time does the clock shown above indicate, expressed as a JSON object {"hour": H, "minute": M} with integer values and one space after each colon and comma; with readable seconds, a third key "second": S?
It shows {"hour": 1, "minute": 58}
